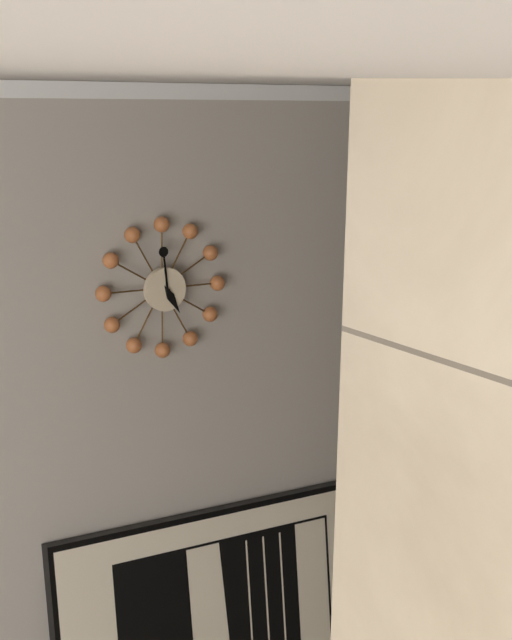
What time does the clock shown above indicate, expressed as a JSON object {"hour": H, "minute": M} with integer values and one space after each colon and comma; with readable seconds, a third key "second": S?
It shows {"hour": 4, "minute": 59}
